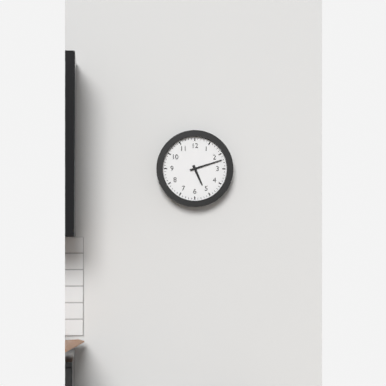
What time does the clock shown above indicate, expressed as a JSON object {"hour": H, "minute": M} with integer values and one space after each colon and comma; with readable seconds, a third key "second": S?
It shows {"hour": 5, "minute": 12}
